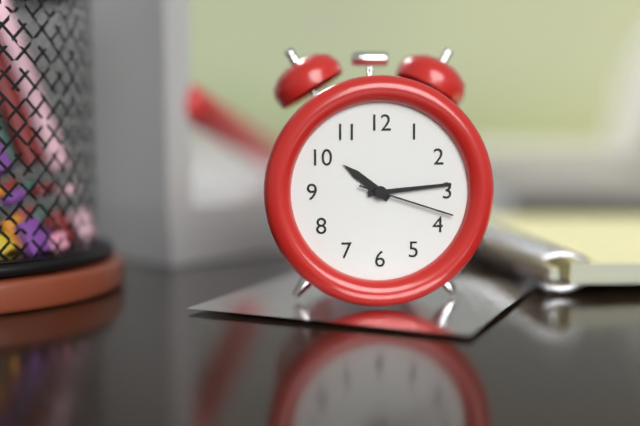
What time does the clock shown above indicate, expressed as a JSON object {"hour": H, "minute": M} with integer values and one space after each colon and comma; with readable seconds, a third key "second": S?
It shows {"hour": 10, "minute": 14, "second": 18}
